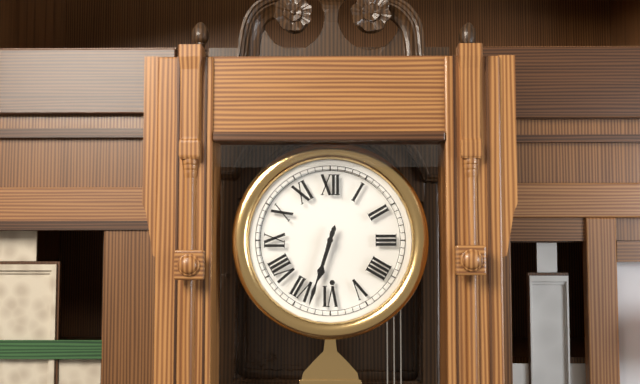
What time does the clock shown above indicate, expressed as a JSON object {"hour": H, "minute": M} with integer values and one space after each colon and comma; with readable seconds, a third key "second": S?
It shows {"hour": 6, "minute": 33}
